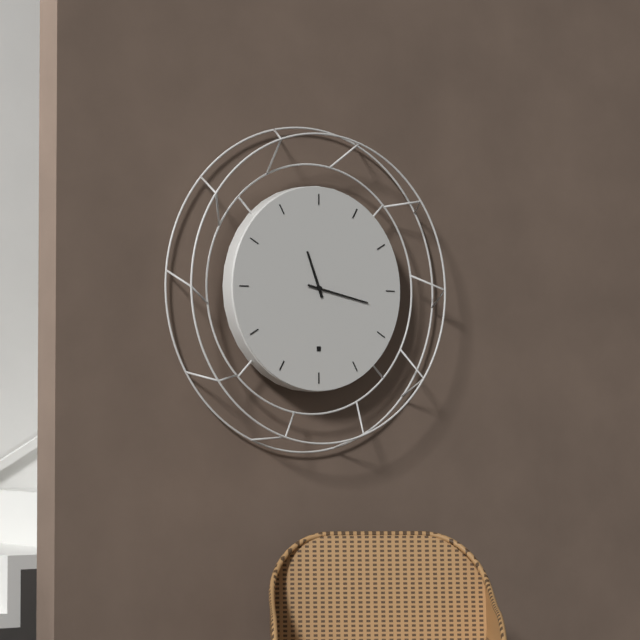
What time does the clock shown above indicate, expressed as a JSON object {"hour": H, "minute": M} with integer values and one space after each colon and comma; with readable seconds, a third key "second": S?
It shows {"hour": 11, "minute": 17}
